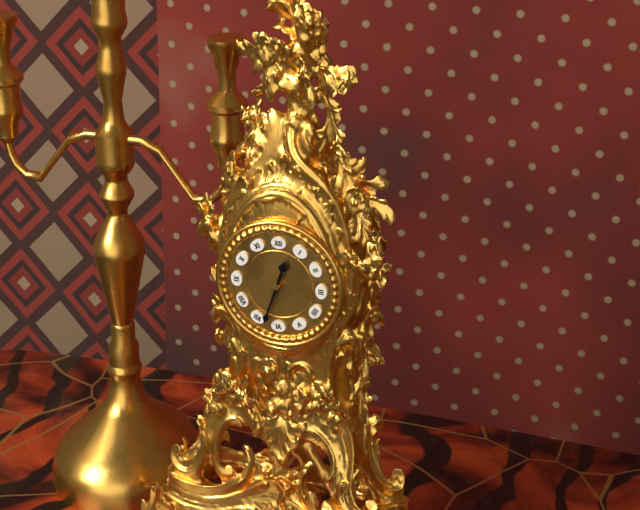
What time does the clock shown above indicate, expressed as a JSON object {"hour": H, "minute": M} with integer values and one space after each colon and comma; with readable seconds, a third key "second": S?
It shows {"hour": 12, "minute": 33}
